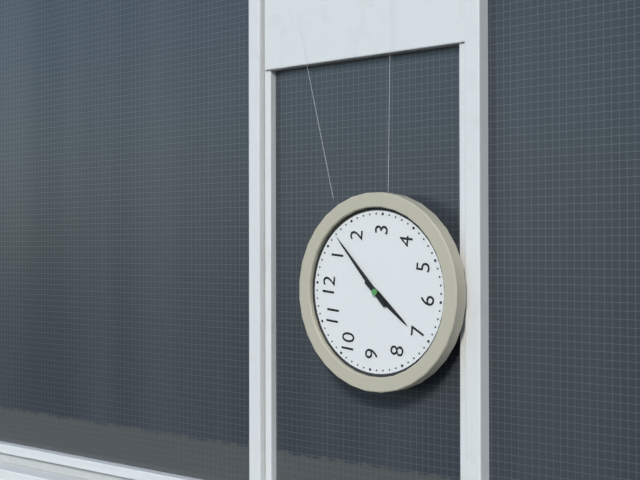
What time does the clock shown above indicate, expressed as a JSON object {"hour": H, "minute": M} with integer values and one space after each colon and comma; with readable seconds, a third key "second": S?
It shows {"hour": 7, "minute": 7}
